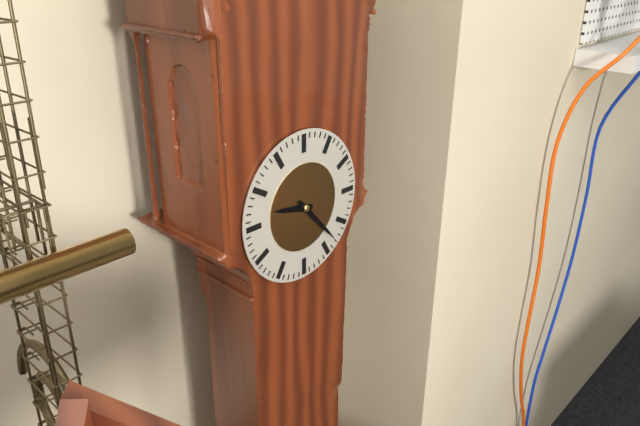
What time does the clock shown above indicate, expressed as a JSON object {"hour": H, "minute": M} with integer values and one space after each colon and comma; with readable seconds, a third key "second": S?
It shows {"hour": 9, "minute": 23}
